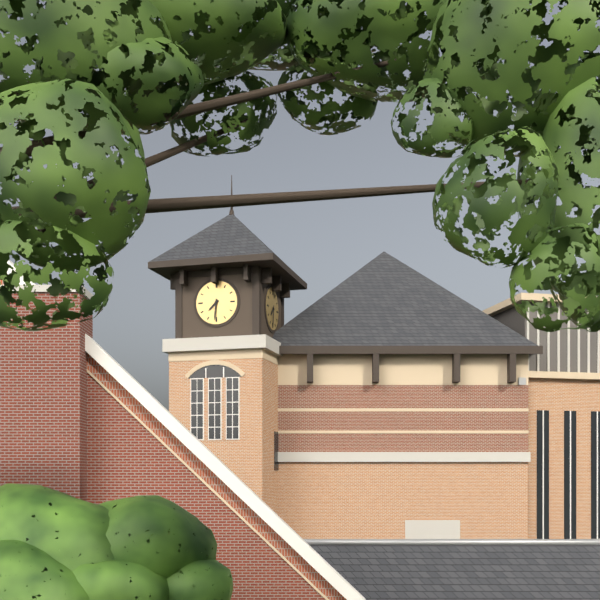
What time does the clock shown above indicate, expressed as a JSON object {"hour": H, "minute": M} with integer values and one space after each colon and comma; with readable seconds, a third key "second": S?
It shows {"hour": 7, "minute": 31}
